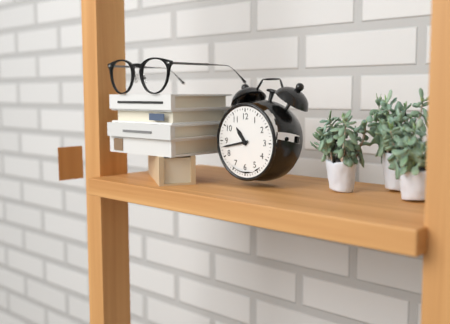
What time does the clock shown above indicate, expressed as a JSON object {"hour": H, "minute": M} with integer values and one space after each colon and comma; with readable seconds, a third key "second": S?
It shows {"hour": 10, "minute": 43}
